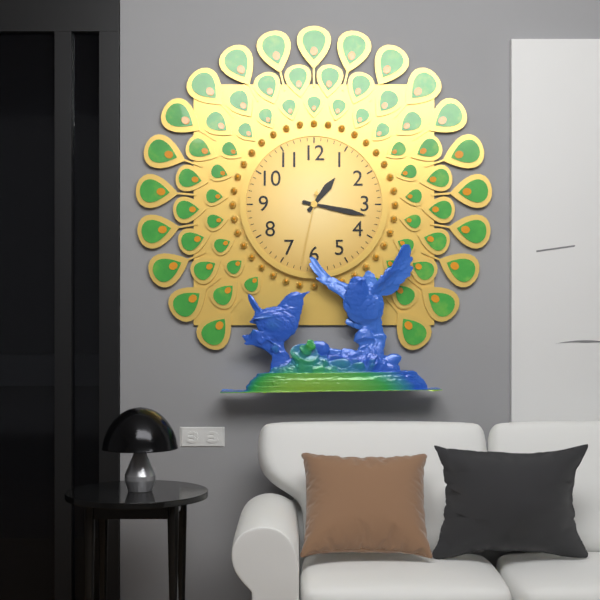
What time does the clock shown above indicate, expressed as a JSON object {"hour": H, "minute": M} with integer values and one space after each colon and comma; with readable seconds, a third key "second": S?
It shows {"hour": 1, "minute": 17, "second": 32}
